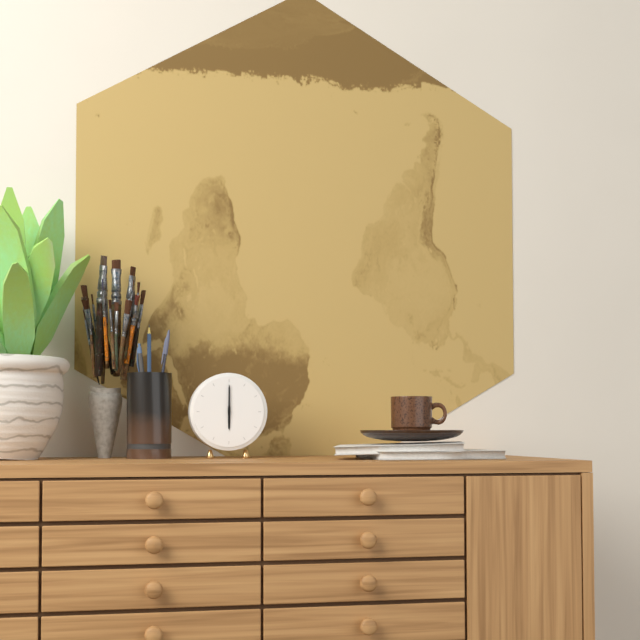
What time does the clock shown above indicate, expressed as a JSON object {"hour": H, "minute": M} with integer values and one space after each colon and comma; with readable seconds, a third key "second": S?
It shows {"hour": 6, "minute": 0}
